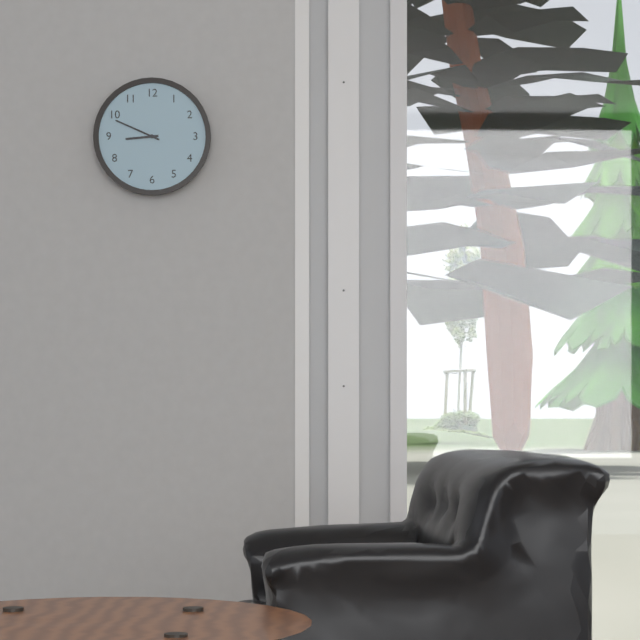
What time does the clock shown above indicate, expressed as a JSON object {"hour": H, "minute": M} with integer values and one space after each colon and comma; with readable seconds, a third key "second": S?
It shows {"hour": 8, "minute": 49}
